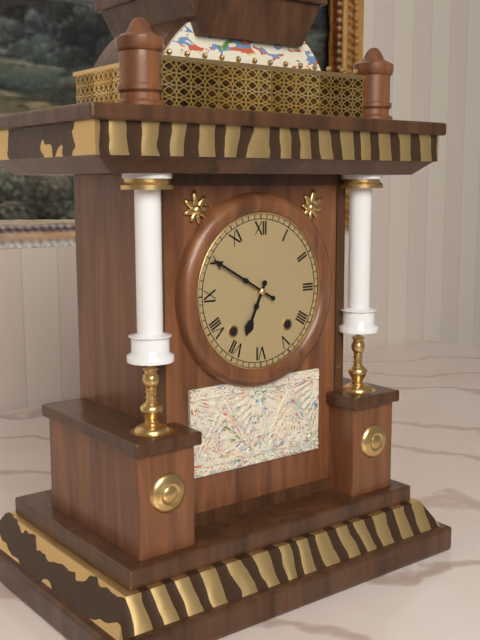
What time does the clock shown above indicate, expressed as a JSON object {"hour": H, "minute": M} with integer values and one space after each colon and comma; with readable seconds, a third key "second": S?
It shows {"hour": 6, "minute": 50}
